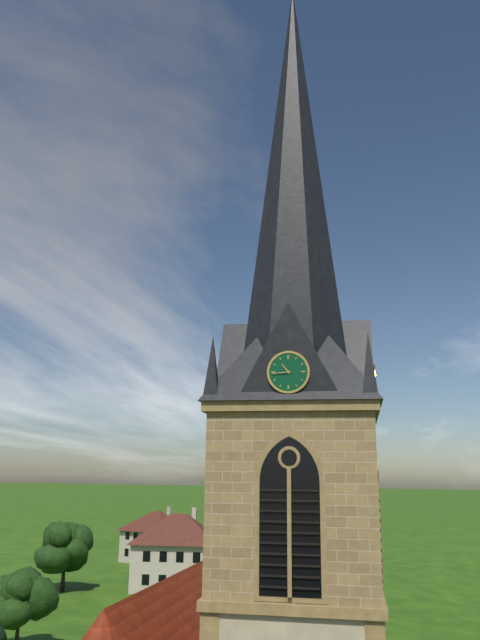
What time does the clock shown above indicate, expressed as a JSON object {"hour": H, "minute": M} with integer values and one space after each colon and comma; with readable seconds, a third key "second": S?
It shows {"hour": 10, "minute": 44}
